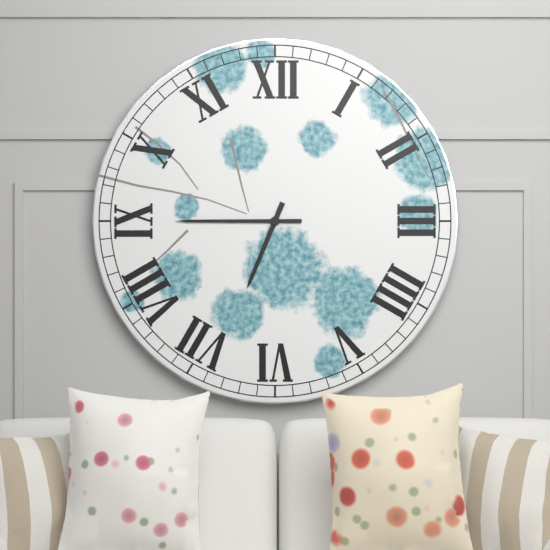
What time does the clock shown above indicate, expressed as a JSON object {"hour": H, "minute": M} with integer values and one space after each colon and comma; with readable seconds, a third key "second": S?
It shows {"hour": 6, "minute": 45}
